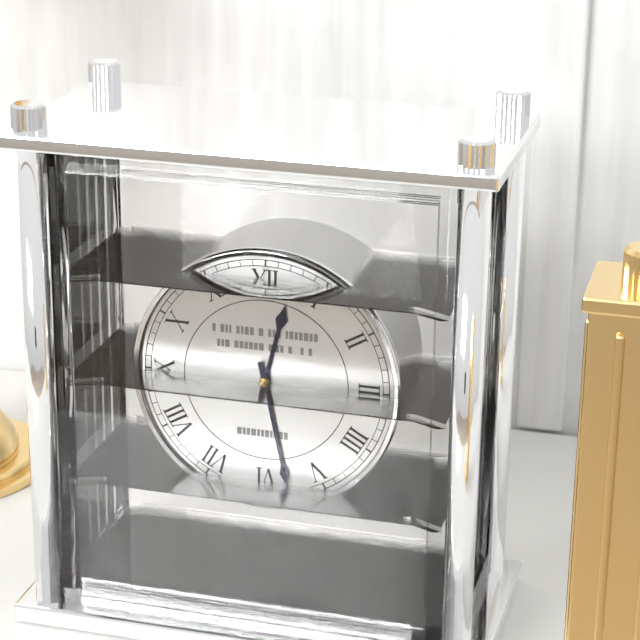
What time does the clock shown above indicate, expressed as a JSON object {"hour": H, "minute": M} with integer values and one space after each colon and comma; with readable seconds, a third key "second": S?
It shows {"hour": 12, "minute": 28}
